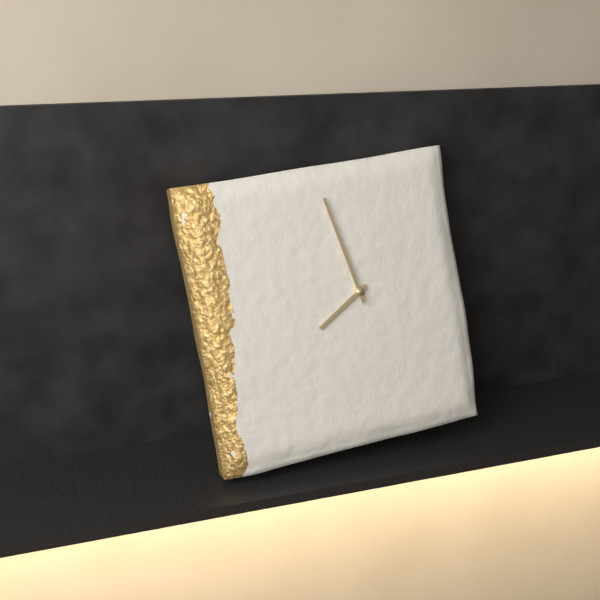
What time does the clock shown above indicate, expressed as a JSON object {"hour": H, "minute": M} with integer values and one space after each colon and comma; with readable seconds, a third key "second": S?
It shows {"hour": 7, "minute": 58}
